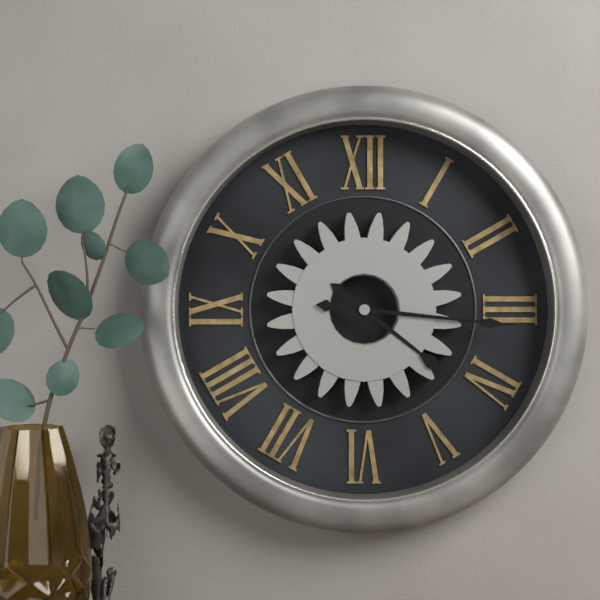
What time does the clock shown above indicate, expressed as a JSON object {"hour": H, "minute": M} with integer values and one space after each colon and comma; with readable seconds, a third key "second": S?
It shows {"hour": 4, "minute": 16}
